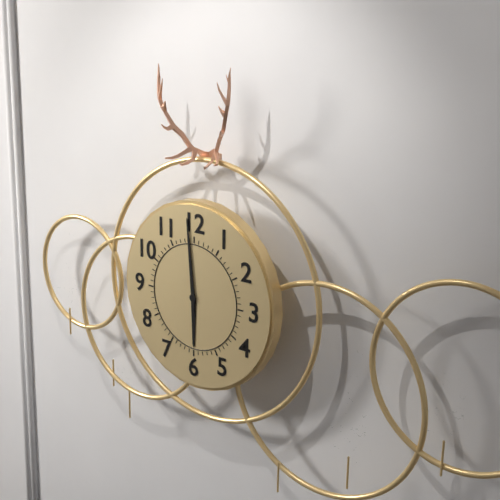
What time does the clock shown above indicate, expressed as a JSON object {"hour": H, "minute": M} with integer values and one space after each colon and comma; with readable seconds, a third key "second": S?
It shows {"hour": 5, "minute": 59}
